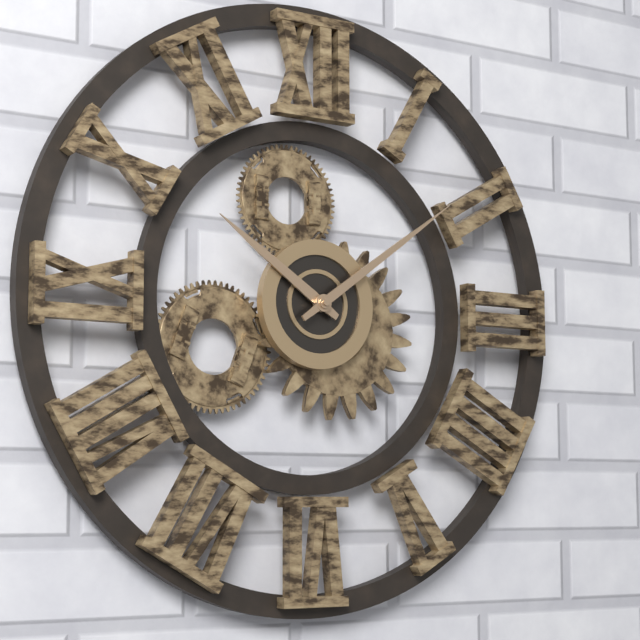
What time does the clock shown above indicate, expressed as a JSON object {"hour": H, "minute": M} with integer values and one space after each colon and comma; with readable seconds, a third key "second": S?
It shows {"hour": 10, "minute": 9}
